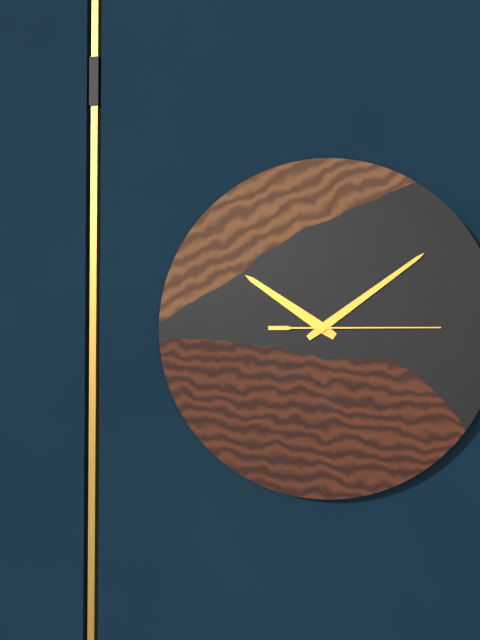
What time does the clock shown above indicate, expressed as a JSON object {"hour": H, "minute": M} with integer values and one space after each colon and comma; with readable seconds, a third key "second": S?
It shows {"hour": 10, "minute": 9, "second": 15}
